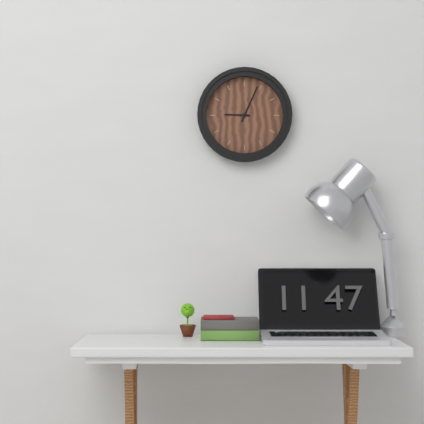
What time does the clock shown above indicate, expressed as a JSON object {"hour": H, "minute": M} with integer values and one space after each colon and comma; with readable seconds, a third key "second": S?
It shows {"hour": 9, "minute": 4}
